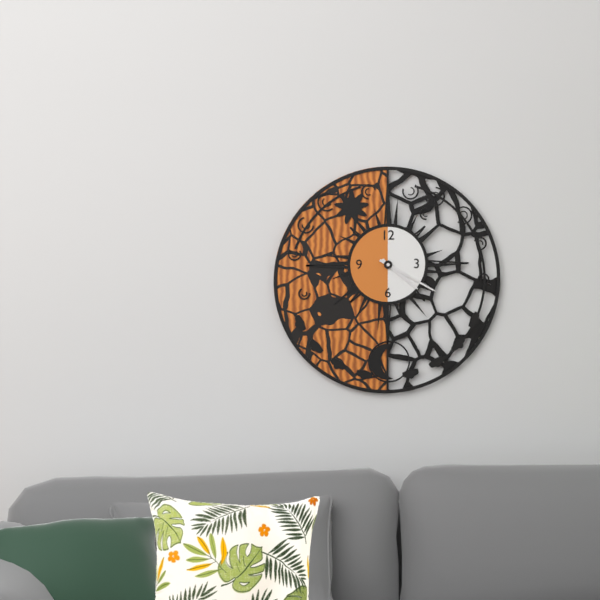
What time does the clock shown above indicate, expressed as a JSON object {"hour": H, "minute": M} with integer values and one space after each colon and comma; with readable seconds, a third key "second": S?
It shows {"hour": 4, "minute": 20}
